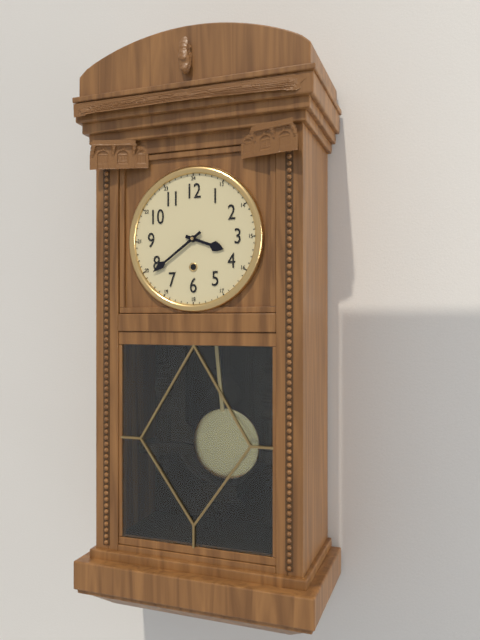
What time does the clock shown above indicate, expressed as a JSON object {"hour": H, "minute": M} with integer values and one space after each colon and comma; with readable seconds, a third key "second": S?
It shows {"hour": 3, "minute": 39}
